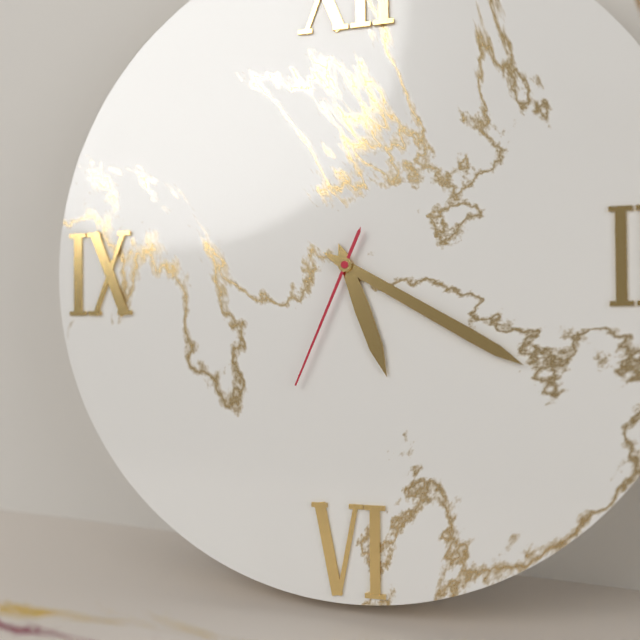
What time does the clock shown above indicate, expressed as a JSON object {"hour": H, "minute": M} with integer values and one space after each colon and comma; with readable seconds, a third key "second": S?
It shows {"hour": 5, "minute": 20, "second": 34}
